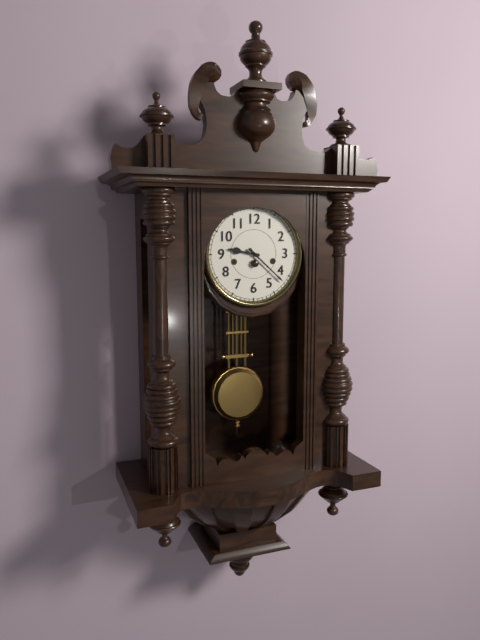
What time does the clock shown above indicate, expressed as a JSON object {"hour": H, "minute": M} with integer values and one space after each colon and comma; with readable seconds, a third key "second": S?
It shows {"hour": 9, "minute": 22}
